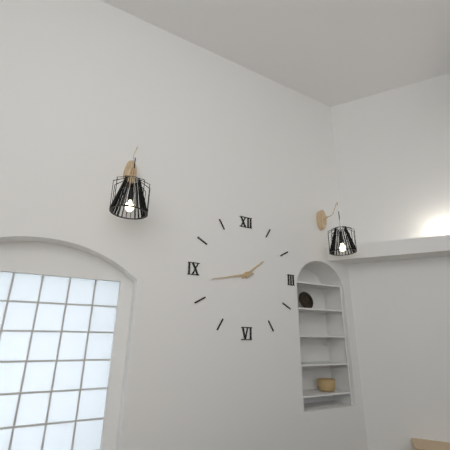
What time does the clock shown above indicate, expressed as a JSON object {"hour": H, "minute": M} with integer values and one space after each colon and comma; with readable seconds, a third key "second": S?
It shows {"hour": 1, "minute": 43}
